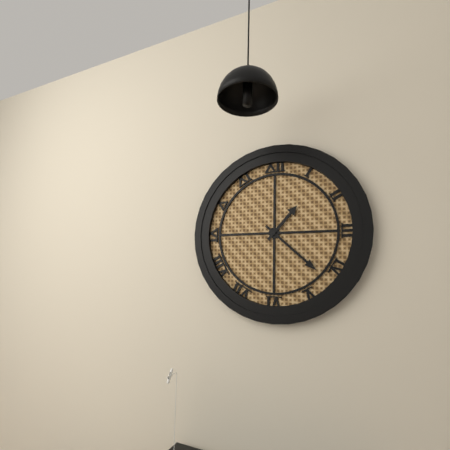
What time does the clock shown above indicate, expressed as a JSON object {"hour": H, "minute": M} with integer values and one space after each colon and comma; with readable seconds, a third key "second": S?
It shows {"hour": 1, "minute": 22}
